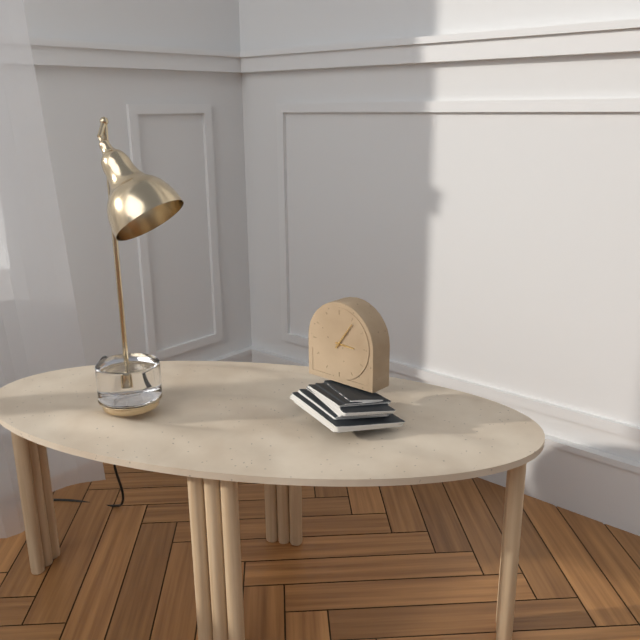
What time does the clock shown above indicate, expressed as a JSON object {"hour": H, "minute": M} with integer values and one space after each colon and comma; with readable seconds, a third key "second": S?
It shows {"hour": 3, "minute": 6}
